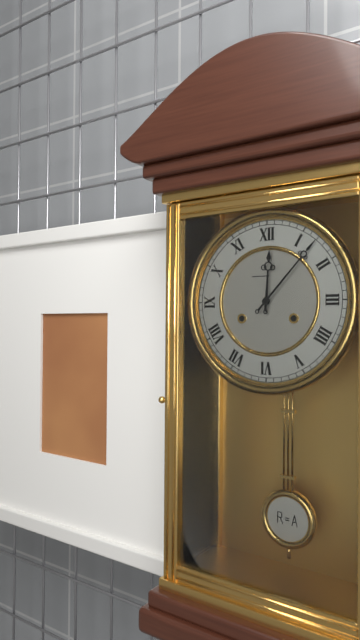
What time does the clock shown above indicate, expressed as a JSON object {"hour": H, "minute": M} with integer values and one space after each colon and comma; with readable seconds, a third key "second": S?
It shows {"hour": 12, "minute": 7}
